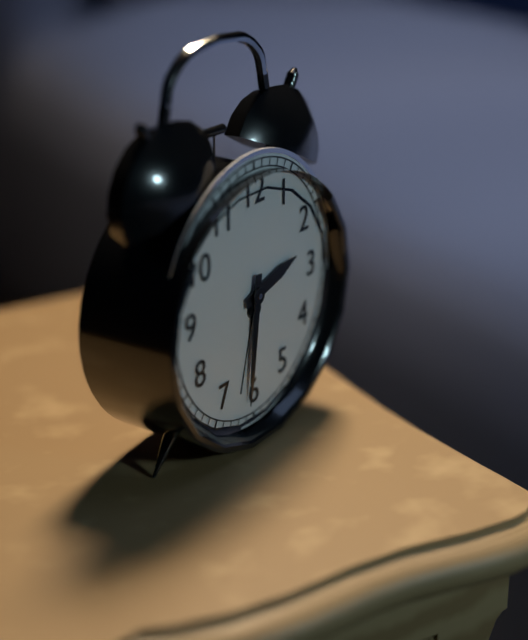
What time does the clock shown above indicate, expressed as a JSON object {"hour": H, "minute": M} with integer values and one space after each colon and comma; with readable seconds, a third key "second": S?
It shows {"hour": 2, "minute": 31}
